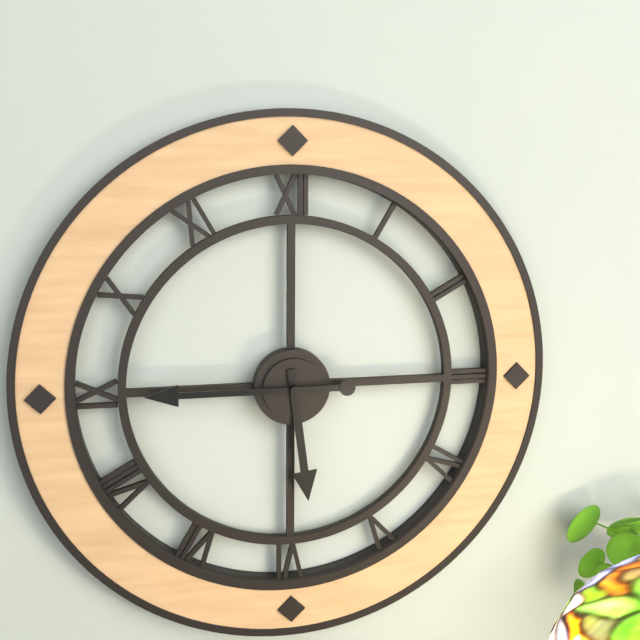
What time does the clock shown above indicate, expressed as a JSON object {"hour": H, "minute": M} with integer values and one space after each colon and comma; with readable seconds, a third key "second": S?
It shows {"hour": 5, "minute": 45}
